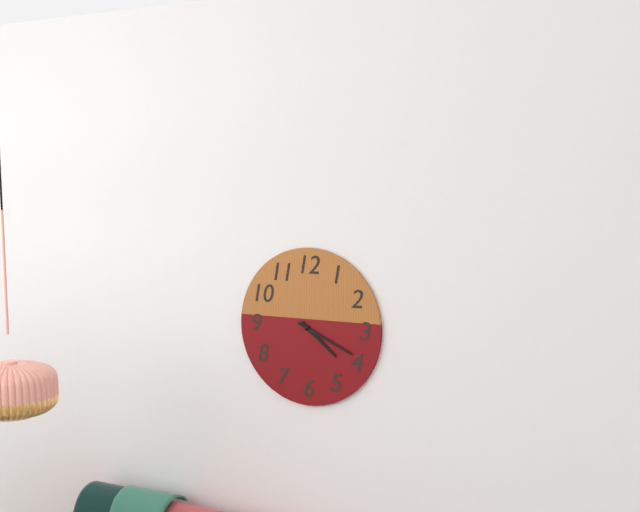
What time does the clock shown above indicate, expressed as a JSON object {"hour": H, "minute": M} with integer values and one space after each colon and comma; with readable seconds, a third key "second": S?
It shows {"hour": 4, "minute": 19}
